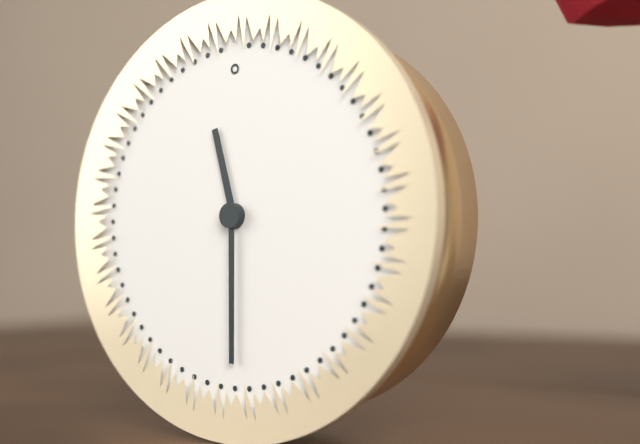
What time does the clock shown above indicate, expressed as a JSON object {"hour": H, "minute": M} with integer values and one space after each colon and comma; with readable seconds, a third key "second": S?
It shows {"hour": 11, "minute": 30}
